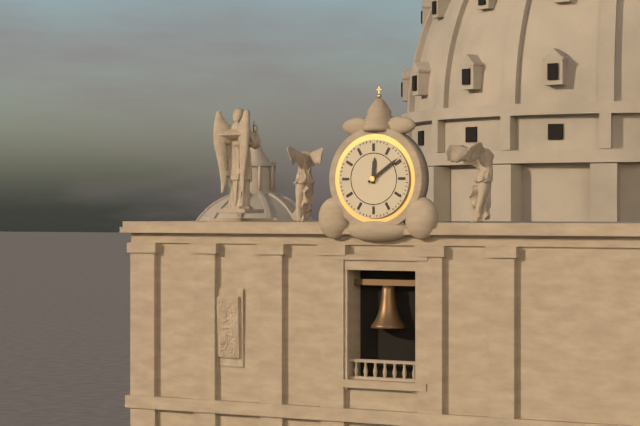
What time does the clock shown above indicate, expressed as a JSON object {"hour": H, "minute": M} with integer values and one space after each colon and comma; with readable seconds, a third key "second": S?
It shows {"hour": 12, "minute": 9}
